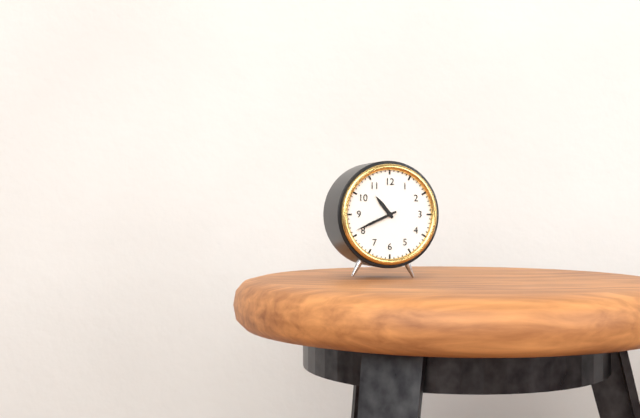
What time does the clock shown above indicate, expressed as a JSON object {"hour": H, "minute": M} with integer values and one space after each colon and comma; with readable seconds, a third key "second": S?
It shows {"hour": 10, "minute": 41}
